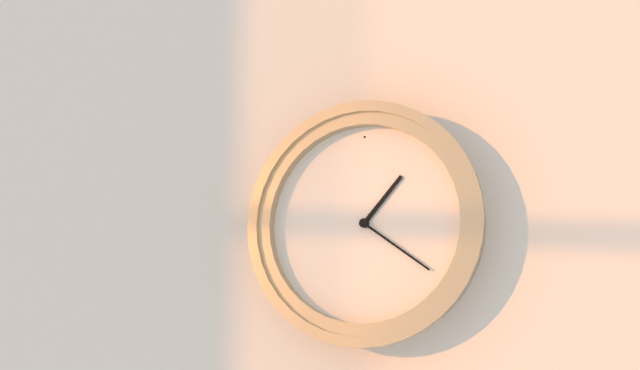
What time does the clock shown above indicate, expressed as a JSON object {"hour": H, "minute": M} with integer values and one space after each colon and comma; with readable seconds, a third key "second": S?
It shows {"hour": 1, "minute": 21}
